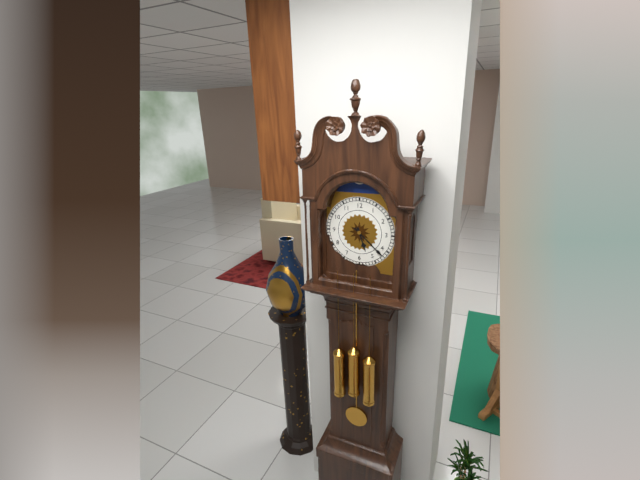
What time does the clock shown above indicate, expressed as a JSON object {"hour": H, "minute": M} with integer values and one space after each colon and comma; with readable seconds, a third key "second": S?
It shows {"hour": 5, "minute": 22}
